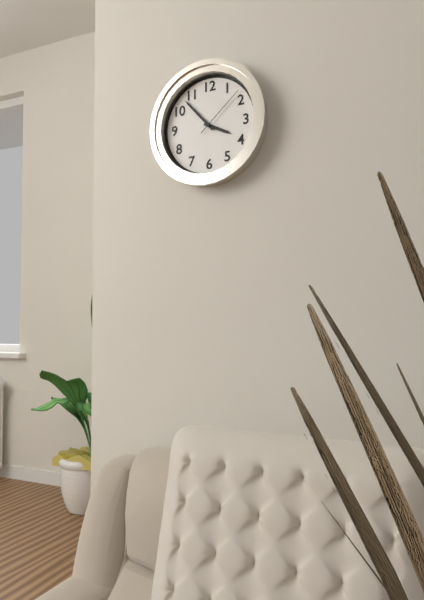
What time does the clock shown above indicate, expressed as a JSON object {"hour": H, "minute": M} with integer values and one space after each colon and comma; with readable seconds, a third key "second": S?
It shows {"hour": 3, "minute": 53, "second": 8}
